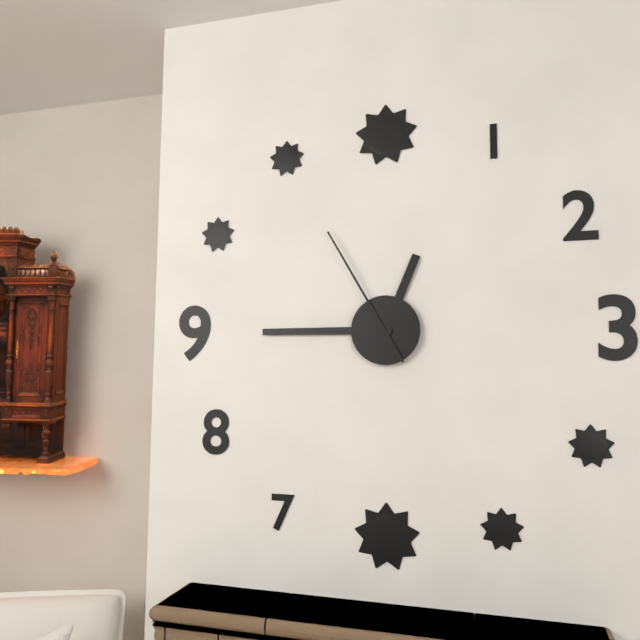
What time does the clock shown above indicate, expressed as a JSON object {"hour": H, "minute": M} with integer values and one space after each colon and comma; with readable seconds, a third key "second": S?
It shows {"hour": 12, "minute": 45, "second": 55}
